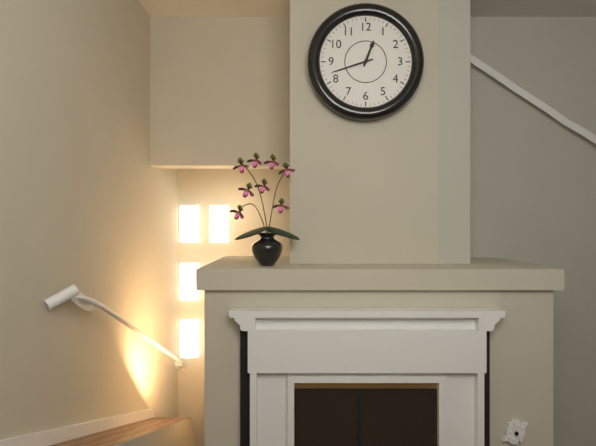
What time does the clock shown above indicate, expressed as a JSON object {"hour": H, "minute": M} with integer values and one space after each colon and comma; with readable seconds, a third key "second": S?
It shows {"hour": 12, "minute": 42}
